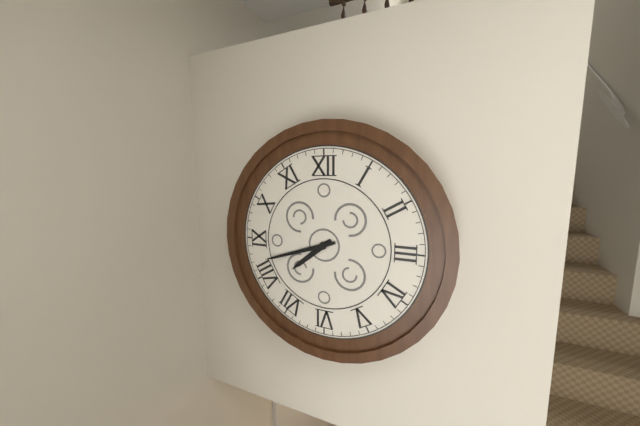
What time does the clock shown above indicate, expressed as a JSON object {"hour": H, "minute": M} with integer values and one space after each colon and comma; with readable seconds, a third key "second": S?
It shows {"hour": 7, "minute": 42}
